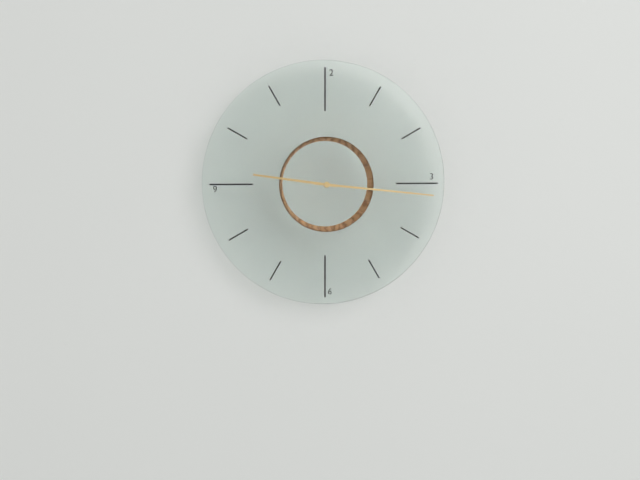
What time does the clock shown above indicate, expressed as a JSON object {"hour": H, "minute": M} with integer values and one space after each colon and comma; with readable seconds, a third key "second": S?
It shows {"hour": 9, "minute": 16}
